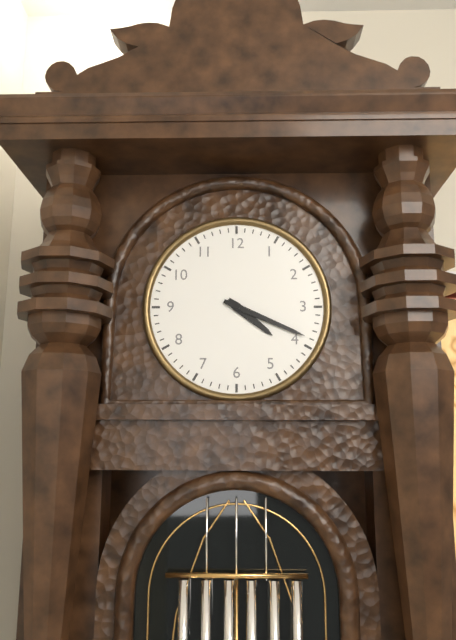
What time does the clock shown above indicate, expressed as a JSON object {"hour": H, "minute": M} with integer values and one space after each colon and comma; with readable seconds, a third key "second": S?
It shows {"hour": 4, "minute": 19}
